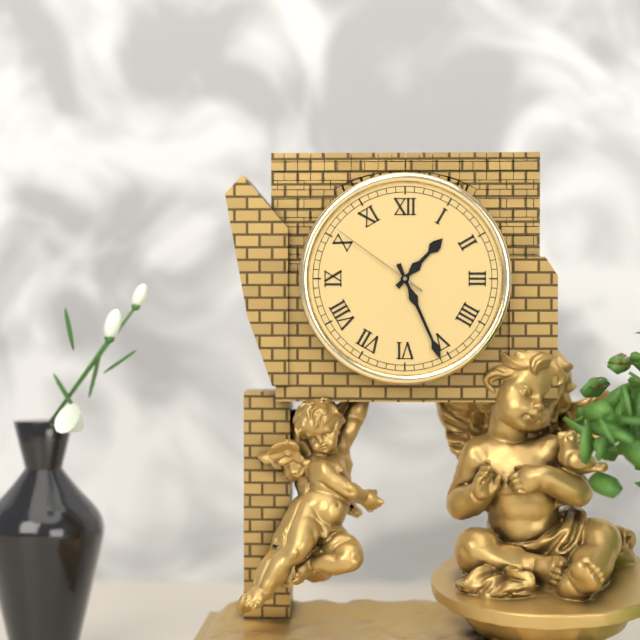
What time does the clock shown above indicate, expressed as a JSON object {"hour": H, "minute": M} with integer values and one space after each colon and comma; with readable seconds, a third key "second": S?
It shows {"hour": 1, "minute": 26, "second": 51}
